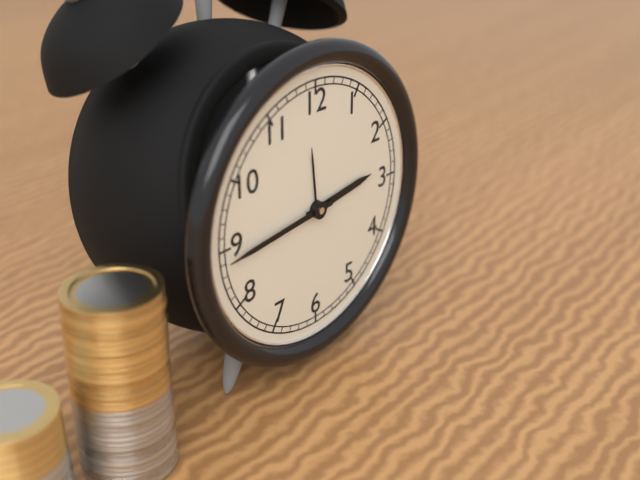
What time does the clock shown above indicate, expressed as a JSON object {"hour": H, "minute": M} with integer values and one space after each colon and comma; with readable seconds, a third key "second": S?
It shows {"hour": 2, "minute": 44}
